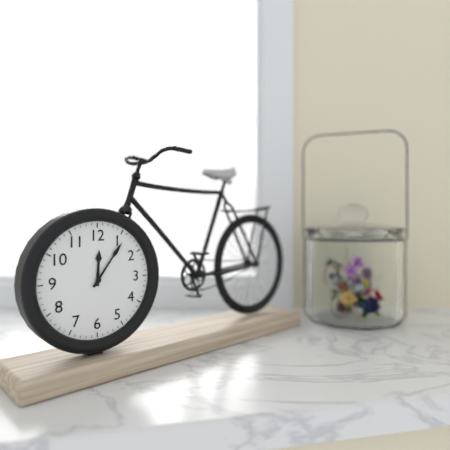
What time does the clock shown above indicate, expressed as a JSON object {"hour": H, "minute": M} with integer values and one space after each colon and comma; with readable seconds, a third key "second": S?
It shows {"hour": 12, "minute": 6}
